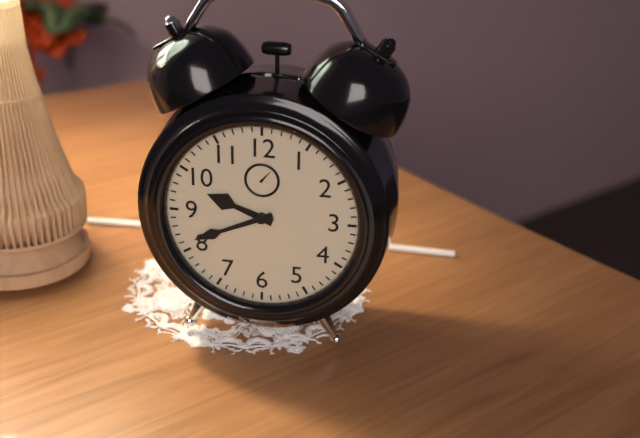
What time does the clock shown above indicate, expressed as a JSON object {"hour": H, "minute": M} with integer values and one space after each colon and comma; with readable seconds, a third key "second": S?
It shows {"hour": 9, "minute": 41}
